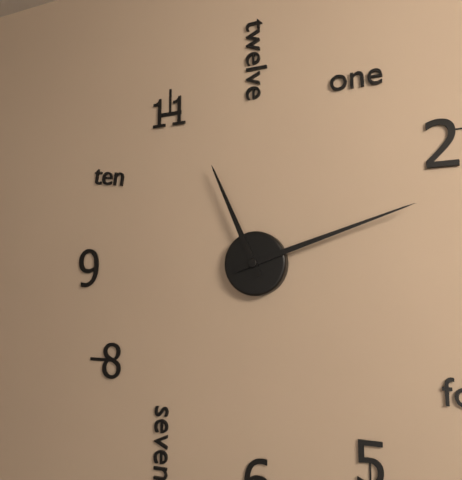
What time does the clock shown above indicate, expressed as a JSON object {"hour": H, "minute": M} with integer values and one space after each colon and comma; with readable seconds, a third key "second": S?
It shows {"hour": 11, "minute": 12}
